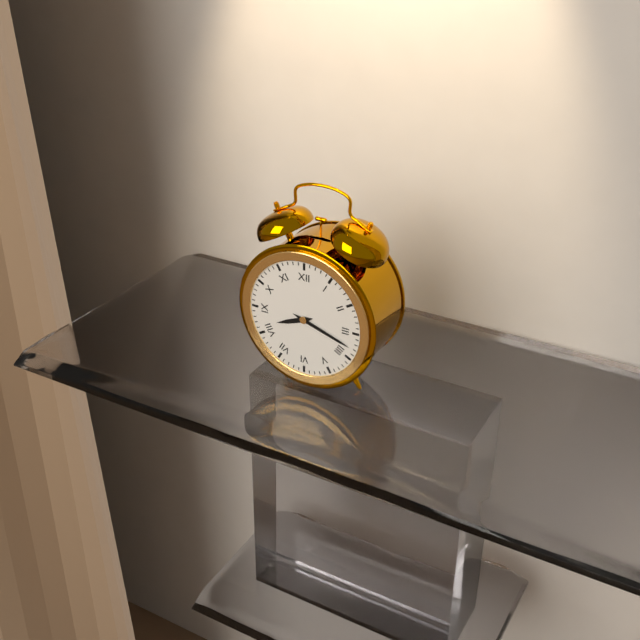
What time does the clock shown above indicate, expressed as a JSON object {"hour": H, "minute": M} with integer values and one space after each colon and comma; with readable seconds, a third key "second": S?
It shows {"hour": 8, "minute": 18}
